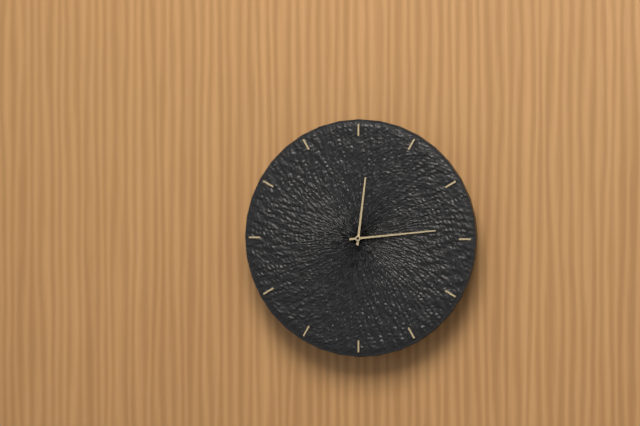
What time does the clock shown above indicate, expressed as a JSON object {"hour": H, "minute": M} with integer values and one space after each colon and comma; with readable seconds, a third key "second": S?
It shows {"hour": 12, "minute": 14}
